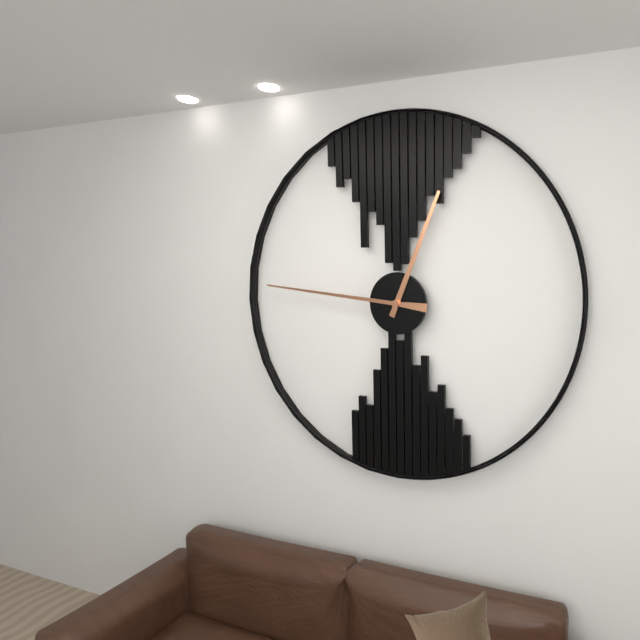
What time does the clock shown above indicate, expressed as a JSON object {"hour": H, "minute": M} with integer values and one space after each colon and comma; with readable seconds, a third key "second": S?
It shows {"hour": 12, "minute": 46}
